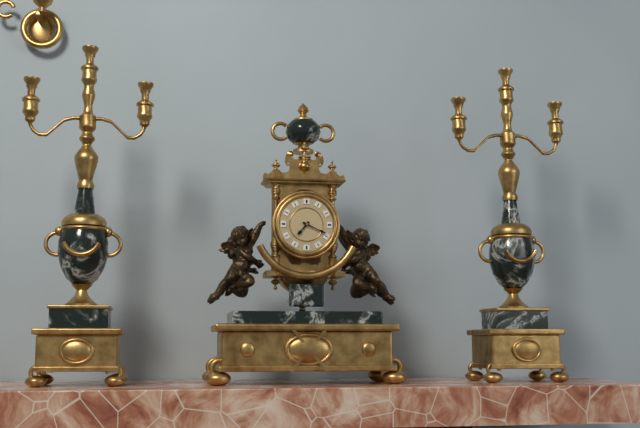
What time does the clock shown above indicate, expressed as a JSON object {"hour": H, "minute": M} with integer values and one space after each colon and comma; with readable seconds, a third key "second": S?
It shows {"hour": 7, "minute": 19}
